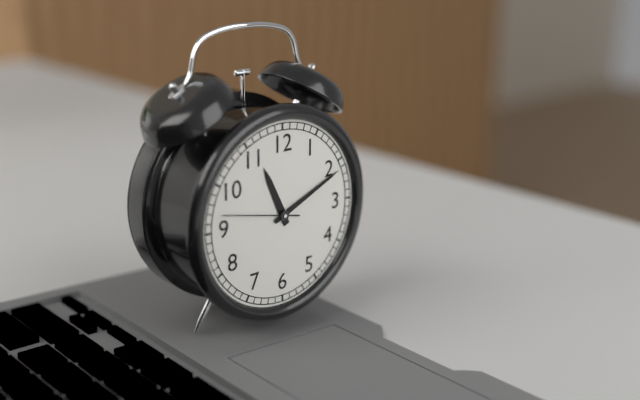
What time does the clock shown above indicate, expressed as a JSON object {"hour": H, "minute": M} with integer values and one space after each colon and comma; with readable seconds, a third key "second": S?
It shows {"hour": 11, "minute": 11, "second": 47}
